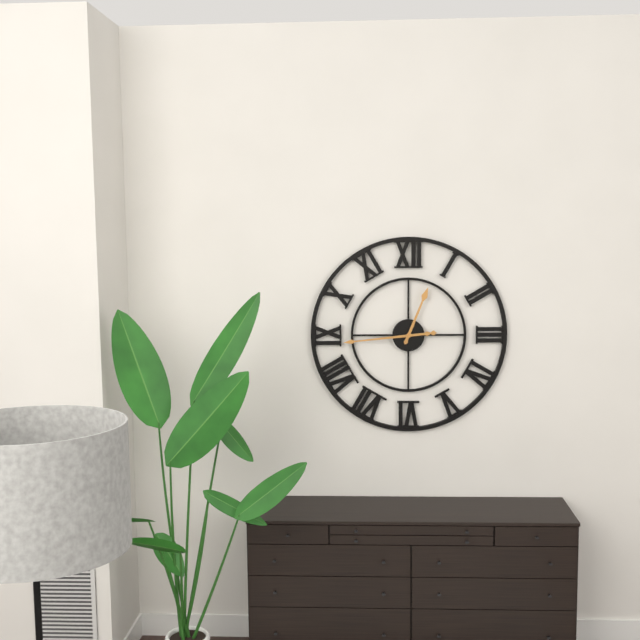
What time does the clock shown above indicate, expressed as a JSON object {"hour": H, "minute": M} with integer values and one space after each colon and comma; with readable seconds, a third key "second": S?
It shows {"hour": 12, "minute": 44}
